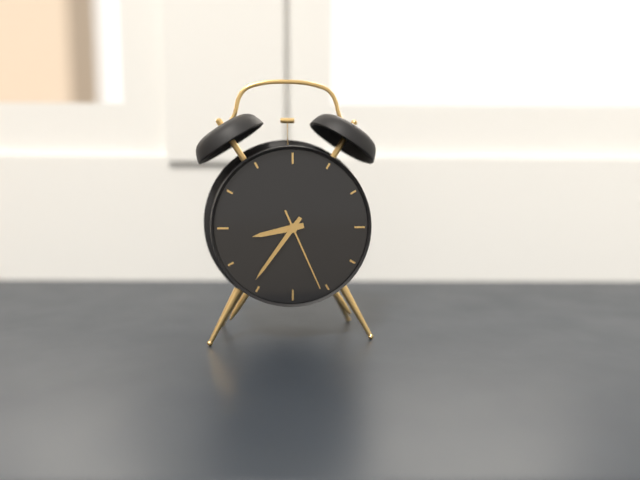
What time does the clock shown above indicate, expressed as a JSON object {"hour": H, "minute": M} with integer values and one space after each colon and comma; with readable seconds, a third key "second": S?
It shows {"hour": 8, "minute": 36, "second": 26}
